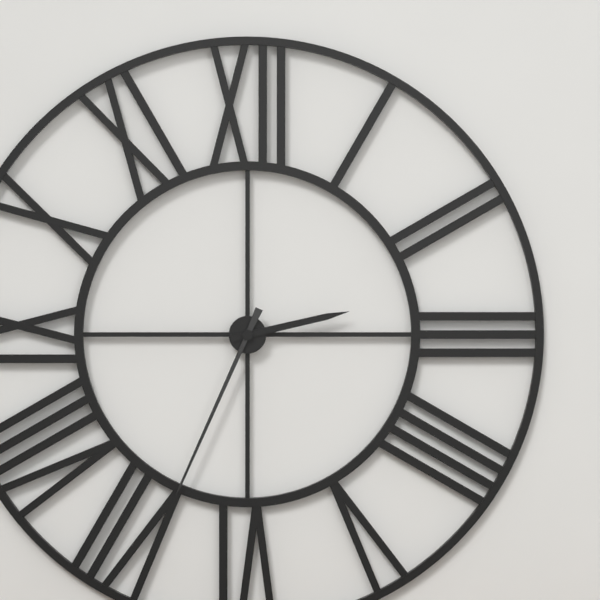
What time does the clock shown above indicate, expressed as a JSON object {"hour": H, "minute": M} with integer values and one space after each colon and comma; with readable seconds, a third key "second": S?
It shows {"hour": 2, "minute": 34}
